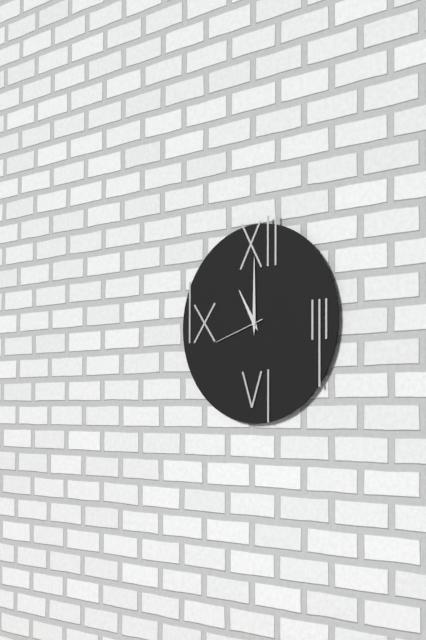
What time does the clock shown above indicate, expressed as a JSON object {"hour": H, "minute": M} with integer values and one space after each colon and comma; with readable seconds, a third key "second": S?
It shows {"hour": 11, "minute": 0, "second": 42}
